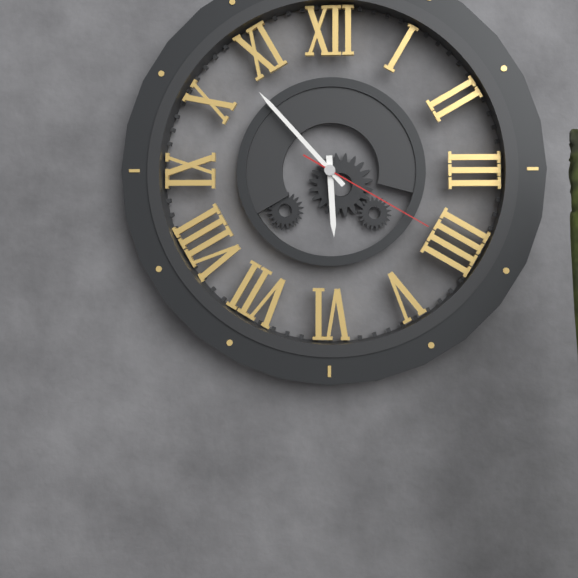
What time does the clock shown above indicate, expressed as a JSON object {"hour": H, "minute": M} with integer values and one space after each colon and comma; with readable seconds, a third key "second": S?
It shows {"hour": 5, "minute": 53, "second": 20}
